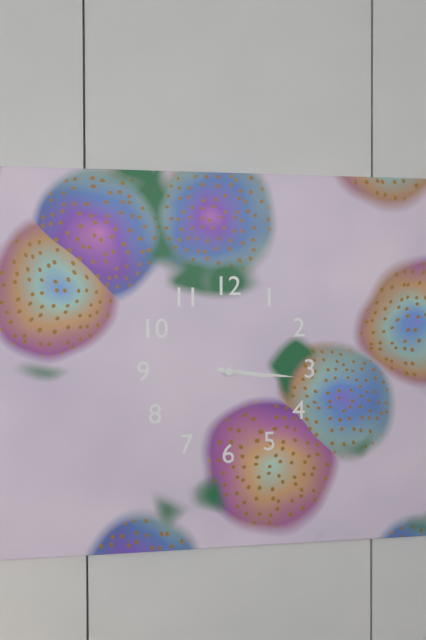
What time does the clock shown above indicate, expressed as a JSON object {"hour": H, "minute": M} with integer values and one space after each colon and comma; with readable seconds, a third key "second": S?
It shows {"hour": 3, "minute": 16}
